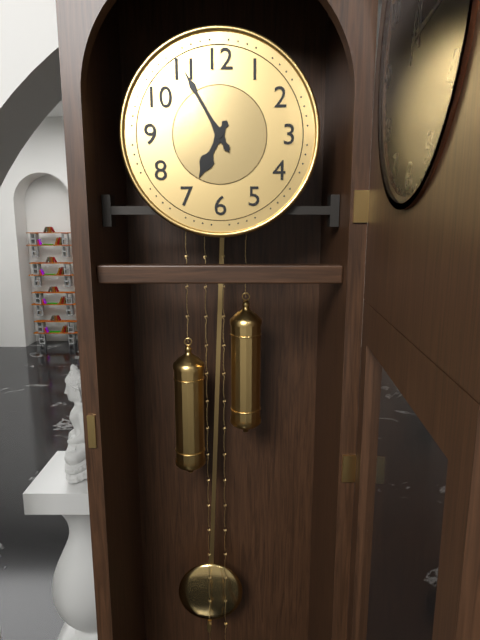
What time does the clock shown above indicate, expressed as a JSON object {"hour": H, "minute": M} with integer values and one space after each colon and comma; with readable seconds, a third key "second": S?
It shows {"hour": 6, "minute": 55}
